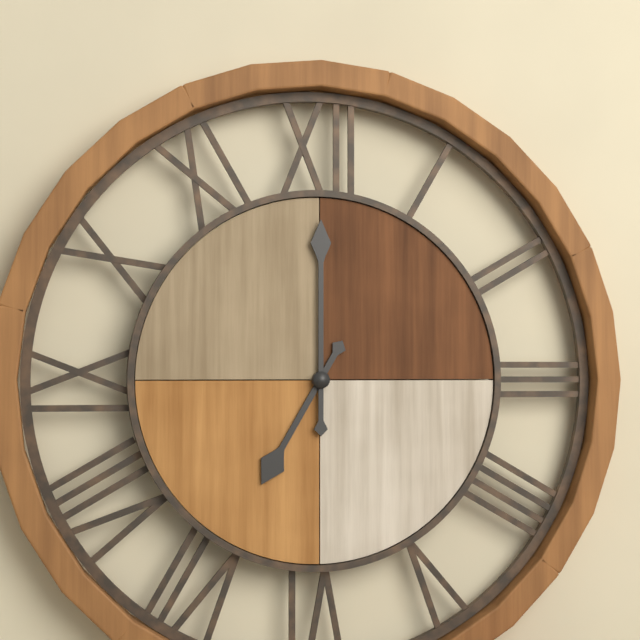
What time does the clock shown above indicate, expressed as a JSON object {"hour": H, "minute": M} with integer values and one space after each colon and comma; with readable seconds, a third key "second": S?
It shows {"hour": 7, "minute": 0}
